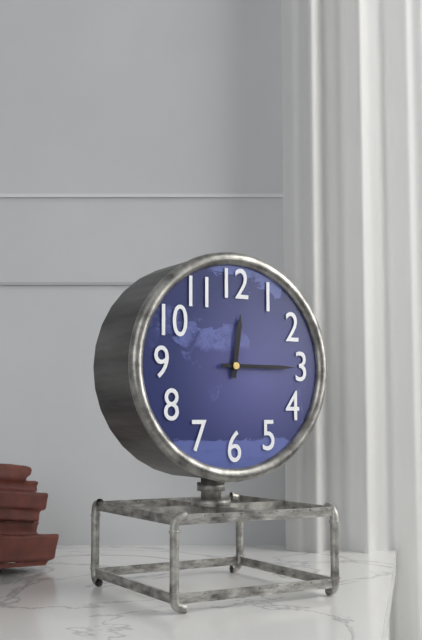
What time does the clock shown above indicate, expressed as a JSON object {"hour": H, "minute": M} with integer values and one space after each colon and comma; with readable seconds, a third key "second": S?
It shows {"hour": 12, "minute": 15}
